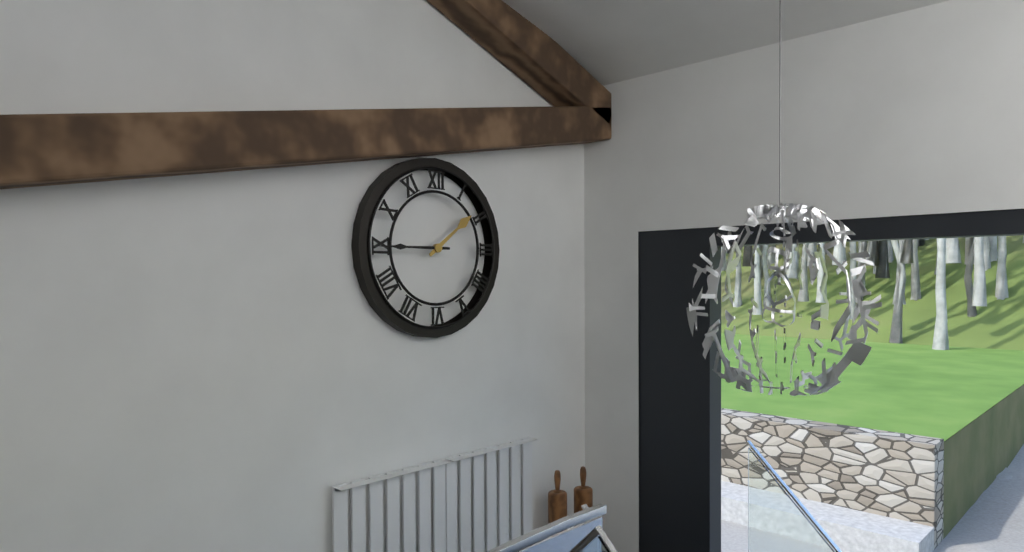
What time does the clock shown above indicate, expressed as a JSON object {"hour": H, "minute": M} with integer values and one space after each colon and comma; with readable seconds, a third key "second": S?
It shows {"hour": 1, "minute": 45}
